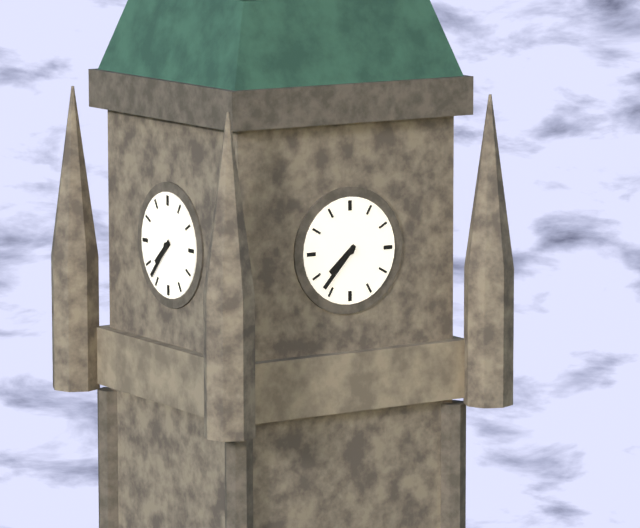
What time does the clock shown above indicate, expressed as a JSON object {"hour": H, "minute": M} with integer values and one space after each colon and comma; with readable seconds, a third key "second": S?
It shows {"hour": 7, "minute": 37}
